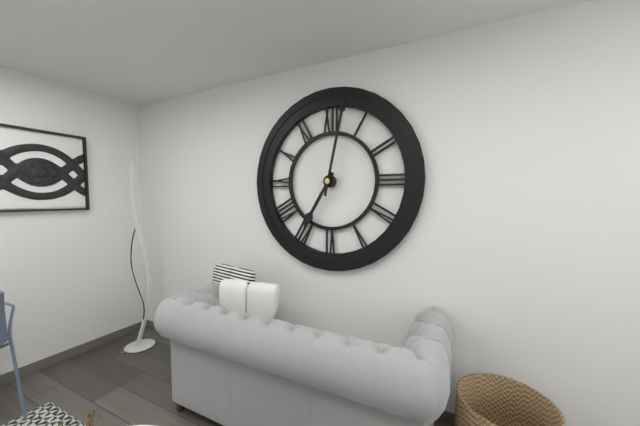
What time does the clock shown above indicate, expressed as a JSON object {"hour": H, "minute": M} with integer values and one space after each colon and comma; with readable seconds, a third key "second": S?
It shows {"hour": 7, "minute": 2}
